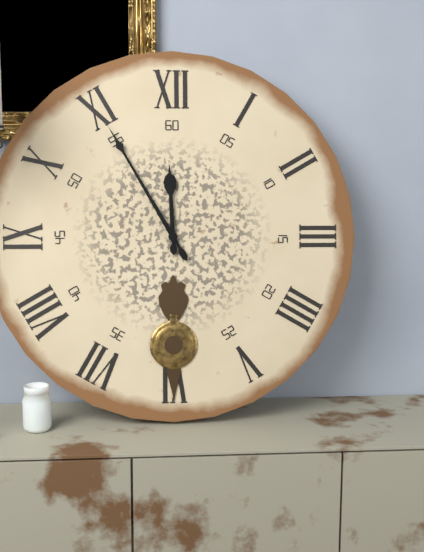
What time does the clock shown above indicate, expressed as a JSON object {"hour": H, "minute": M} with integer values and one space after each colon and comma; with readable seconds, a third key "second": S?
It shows {"hour": 11, "minute": 55}
